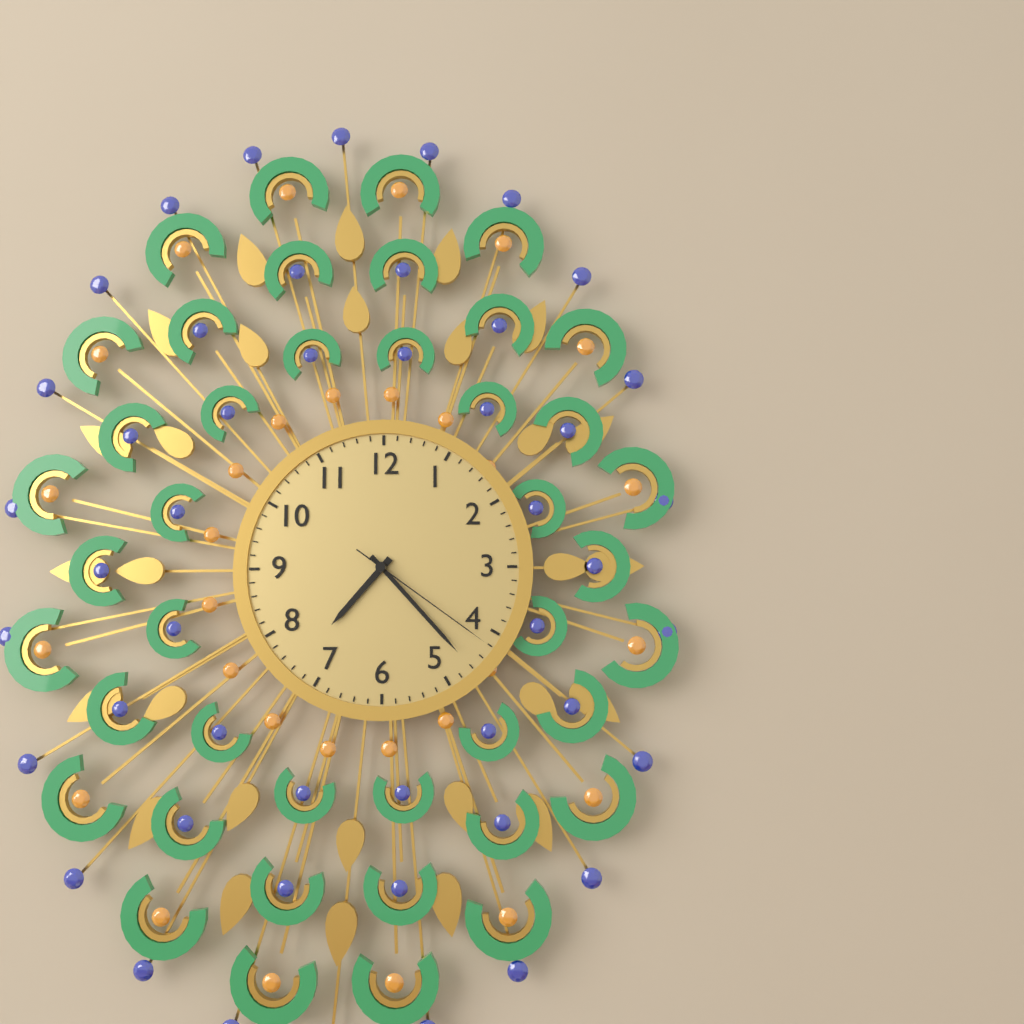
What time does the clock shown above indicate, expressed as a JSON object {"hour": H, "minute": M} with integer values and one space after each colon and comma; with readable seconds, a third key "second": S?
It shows {"hour": 7, "minute": 23, "second": 21}
